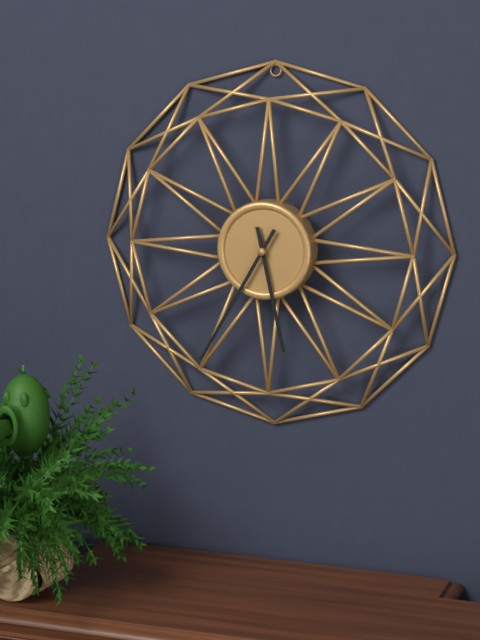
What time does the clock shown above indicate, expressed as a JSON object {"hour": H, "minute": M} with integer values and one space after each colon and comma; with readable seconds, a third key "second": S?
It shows {"hour": 5, "minute": 35}
